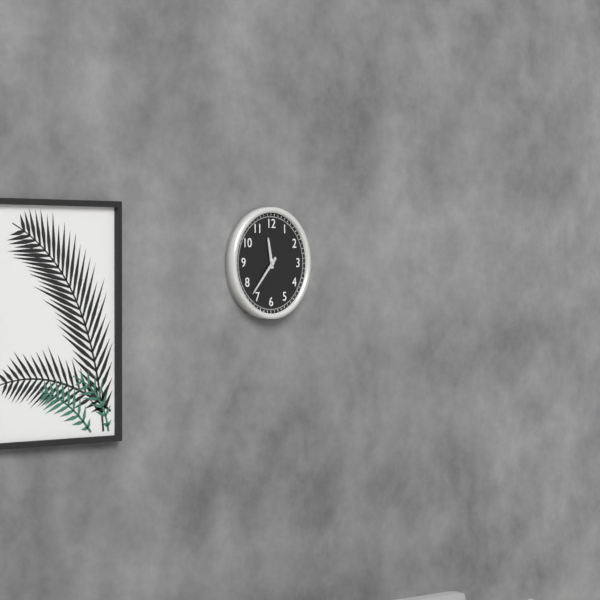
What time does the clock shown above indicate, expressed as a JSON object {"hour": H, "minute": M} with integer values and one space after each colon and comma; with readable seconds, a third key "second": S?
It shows {"hour": 11, "minute": 37}
